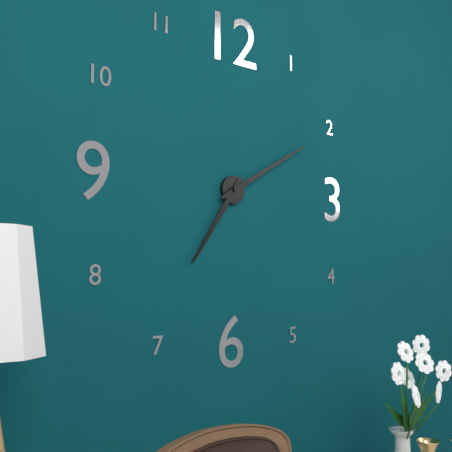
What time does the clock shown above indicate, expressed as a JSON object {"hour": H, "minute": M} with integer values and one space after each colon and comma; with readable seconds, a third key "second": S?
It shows {"hour": 7, "minute": 10}
